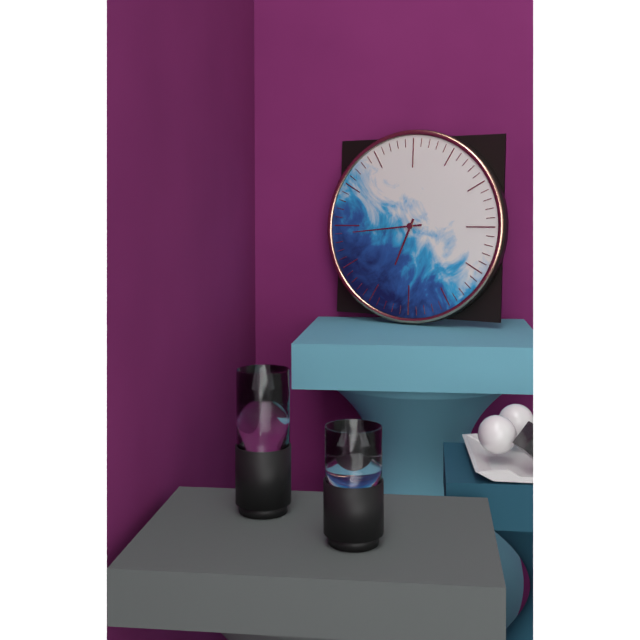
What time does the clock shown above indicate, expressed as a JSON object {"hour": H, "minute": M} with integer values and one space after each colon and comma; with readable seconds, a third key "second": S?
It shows {"hour": 6, "minute": 44}
